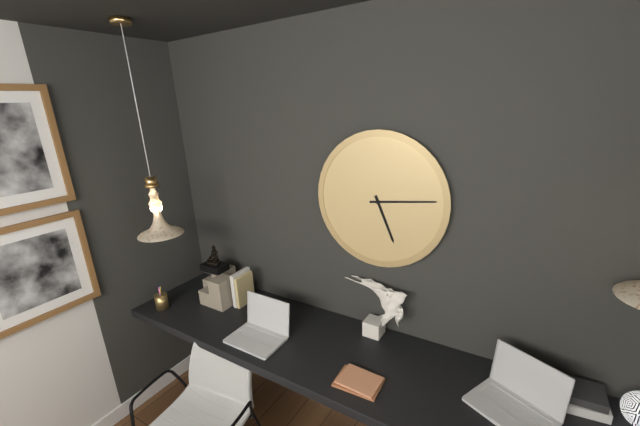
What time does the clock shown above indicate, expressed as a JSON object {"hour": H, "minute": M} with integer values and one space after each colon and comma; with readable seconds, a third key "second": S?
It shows {"hour": 5, "minute": 14}
